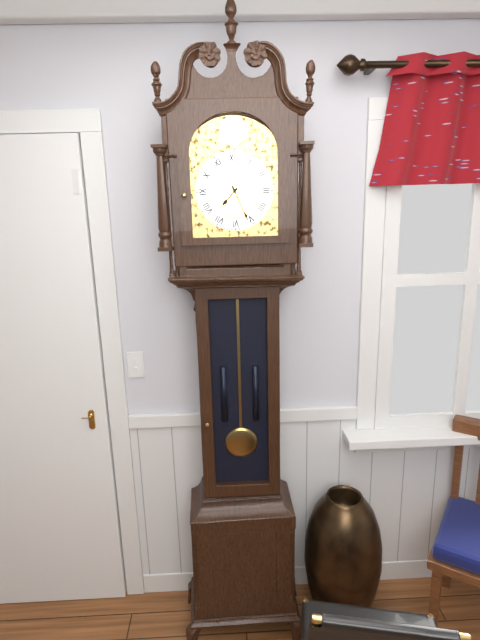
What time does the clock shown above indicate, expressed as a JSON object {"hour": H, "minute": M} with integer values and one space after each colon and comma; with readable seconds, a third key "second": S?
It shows {"hour": 7, "minute": 26}
